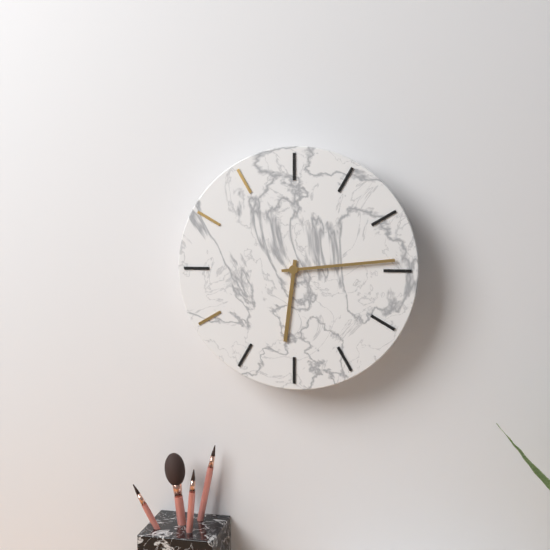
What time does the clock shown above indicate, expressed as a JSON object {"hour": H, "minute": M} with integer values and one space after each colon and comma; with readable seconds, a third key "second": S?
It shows {"hour": 6, "minute": 14}
